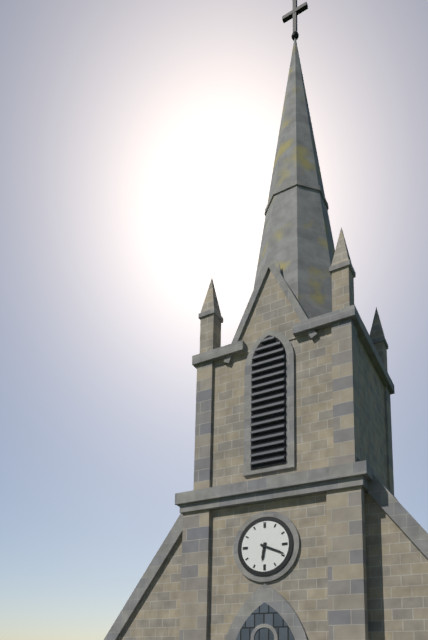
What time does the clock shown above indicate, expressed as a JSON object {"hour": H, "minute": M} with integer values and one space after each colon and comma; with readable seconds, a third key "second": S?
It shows {"hour": 6, "minute": 19}
